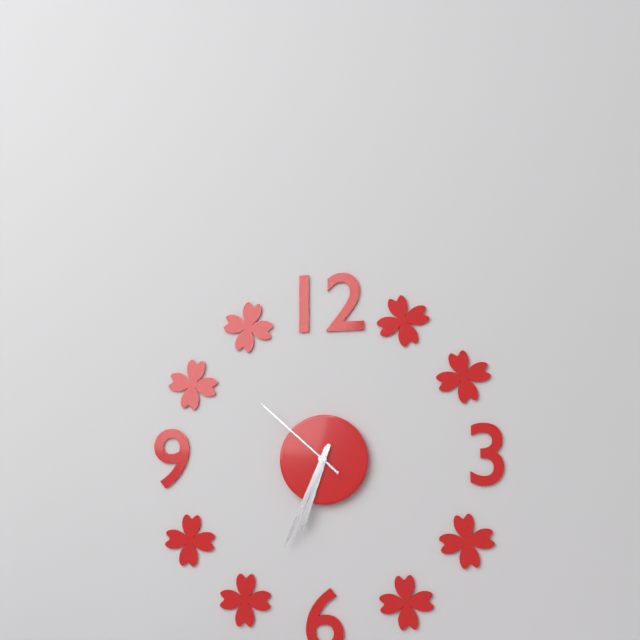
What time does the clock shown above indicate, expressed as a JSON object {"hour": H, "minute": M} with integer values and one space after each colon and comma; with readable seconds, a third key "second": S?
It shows {"hour": 6, "minute": 34, "second": 52}
